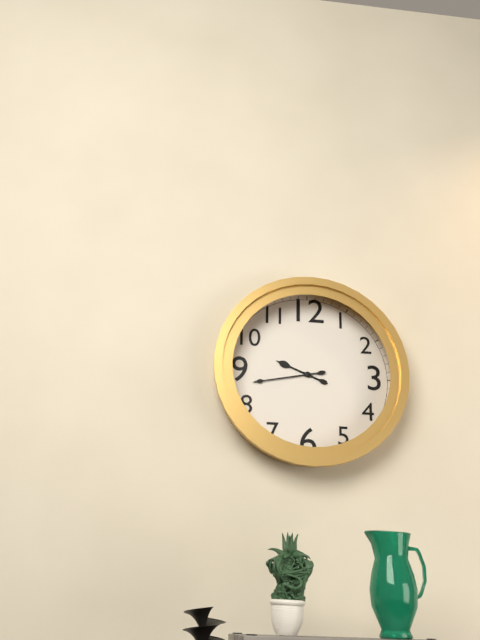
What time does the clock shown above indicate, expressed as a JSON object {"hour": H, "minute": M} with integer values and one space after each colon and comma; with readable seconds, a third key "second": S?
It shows {"hour": 9, "minute": 43}
